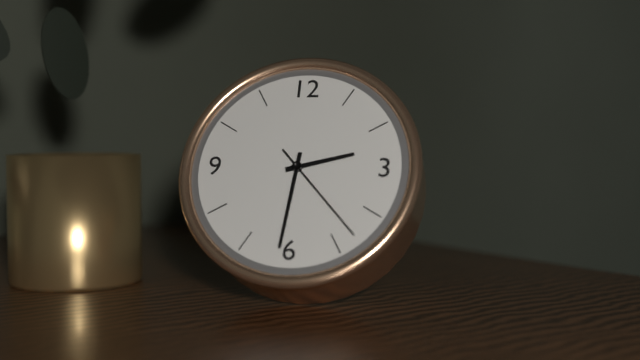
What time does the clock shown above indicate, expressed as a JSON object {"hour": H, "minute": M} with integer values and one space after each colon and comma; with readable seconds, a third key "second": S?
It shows {"hour": 2, "minute": 31, "second": 23}
